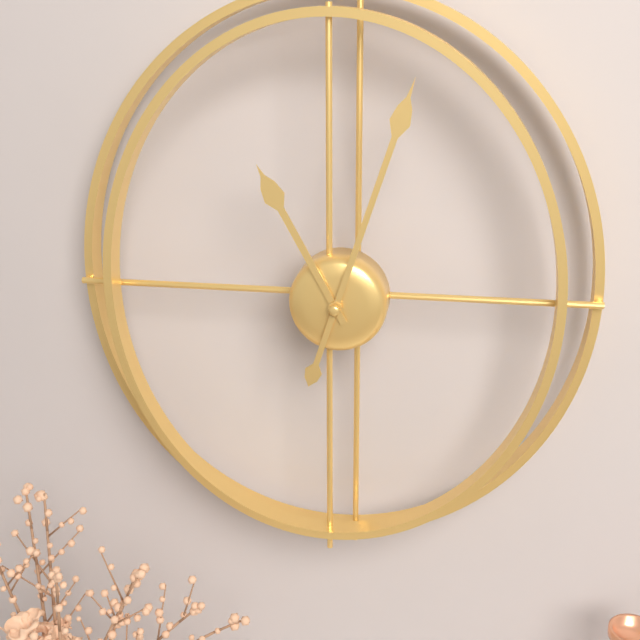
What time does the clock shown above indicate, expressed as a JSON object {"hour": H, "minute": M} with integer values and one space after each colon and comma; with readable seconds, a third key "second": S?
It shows {"hour": 11, "minute": 3}
